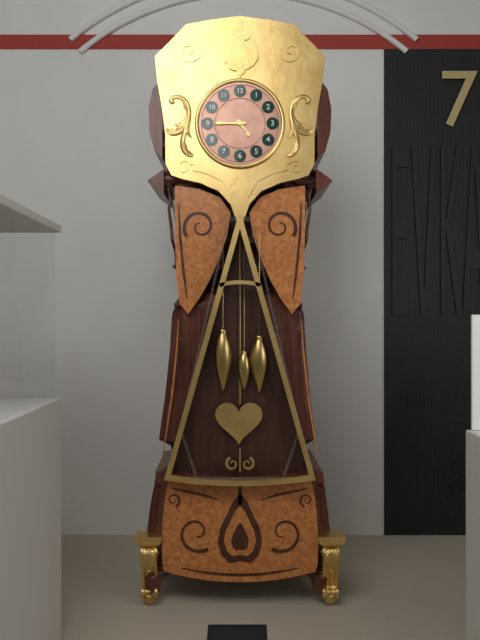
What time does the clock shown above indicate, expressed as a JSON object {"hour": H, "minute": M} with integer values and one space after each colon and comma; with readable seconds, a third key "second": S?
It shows {"hour": 4, "minute": 45}
